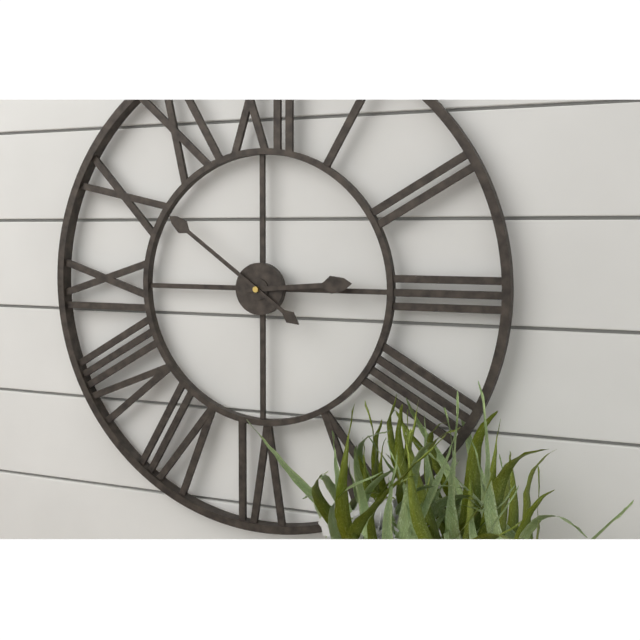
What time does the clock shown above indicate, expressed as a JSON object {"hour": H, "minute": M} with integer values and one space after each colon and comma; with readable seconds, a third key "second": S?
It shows {"hour": 2, "minute": 51}
